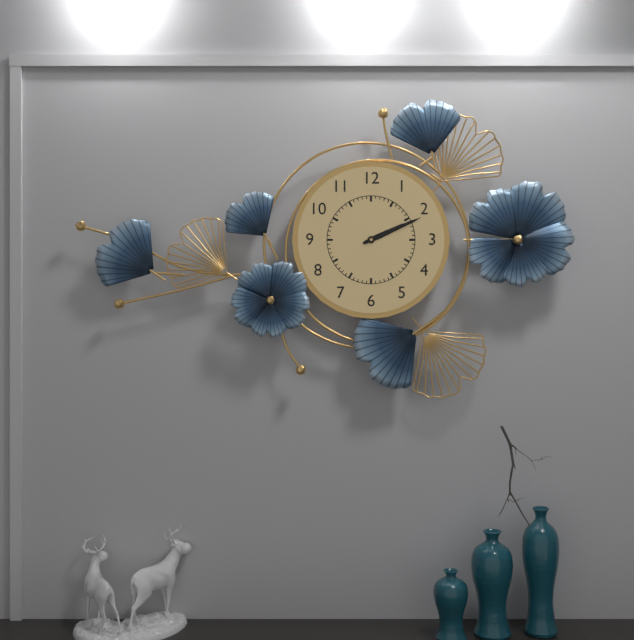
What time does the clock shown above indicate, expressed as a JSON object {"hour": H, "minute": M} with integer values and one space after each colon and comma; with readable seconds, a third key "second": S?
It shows {"hour": 2, "minute": 11}
